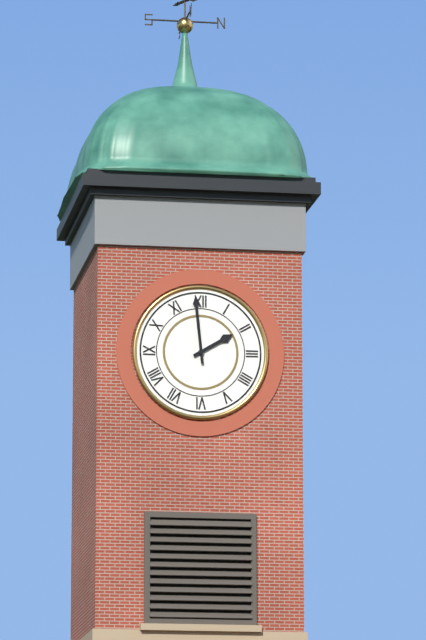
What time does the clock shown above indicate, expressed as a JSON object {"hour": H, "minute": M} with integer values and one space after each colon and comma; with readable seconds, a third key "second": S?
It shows {"hour": 1, "minute": 59}
